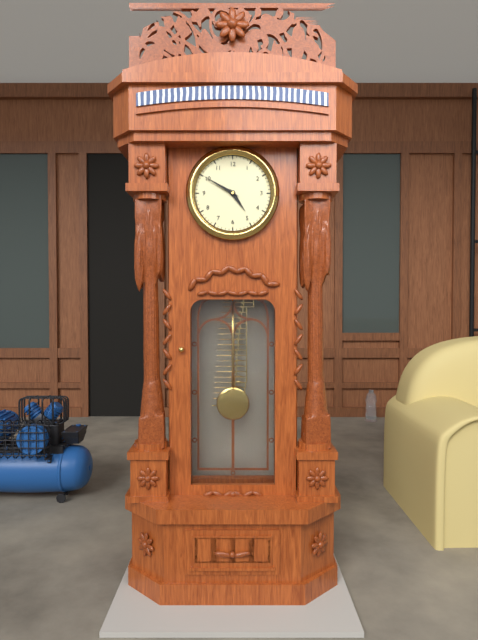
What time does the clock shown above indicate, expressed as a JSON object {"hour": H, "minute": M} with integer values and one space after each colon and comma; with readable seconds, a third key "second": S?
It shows {"hour": 4, "minute": 50}
